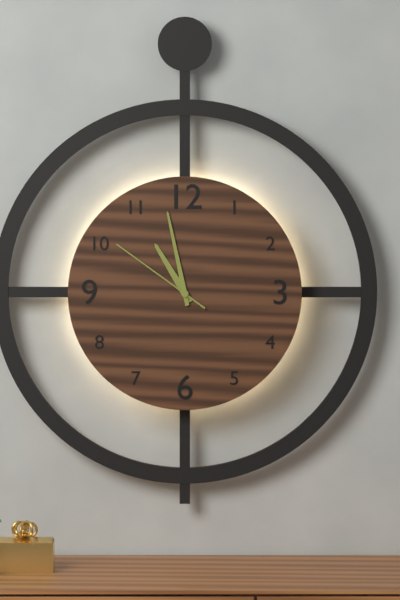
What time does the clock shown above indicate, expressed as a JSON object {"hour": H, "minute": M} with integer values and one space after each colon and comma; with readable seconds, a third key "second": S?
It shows {"hour": 10, "minute": 58, "second": 51}
